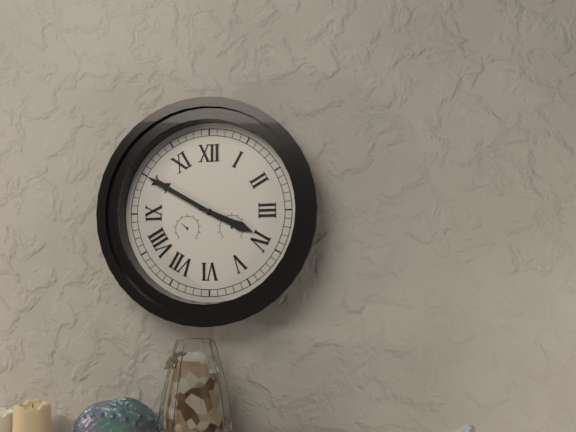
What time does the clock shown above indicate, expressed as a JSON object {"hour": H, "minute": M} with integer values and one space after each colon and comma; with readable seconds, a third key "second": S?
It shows {"hour": 3, "minute": 50}
